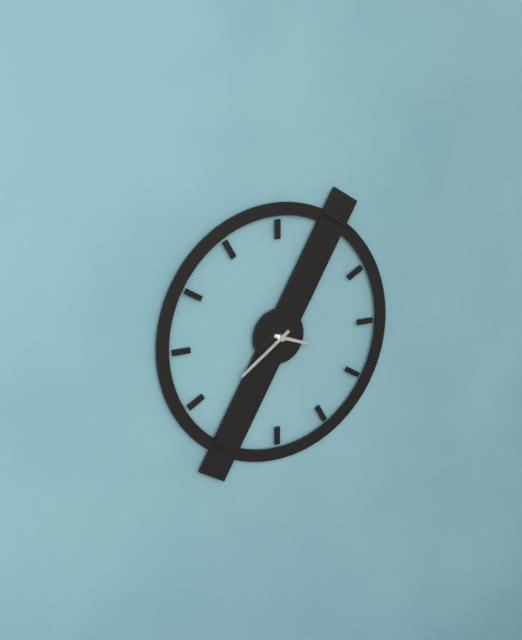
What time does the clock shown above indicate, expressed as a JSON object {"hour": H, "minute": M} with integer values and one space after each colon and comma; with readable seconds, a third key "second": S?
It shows {"hour": 3, "minute": 39}
